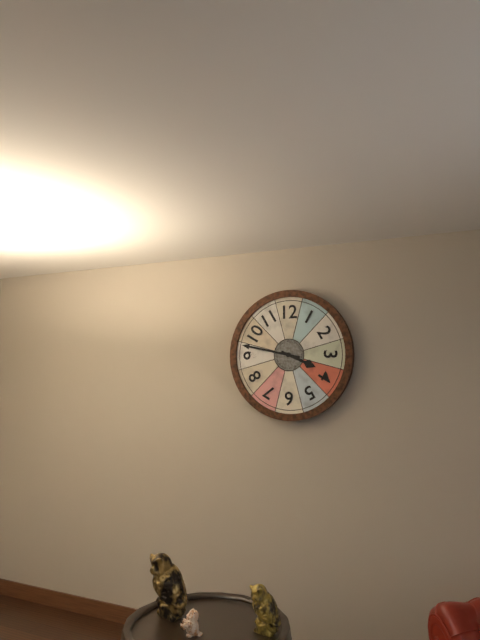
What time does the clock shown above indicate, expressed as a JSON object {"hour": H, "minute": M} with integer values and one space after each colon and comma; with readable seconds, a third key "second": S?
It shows {"hour": 3, "minute": 47}
